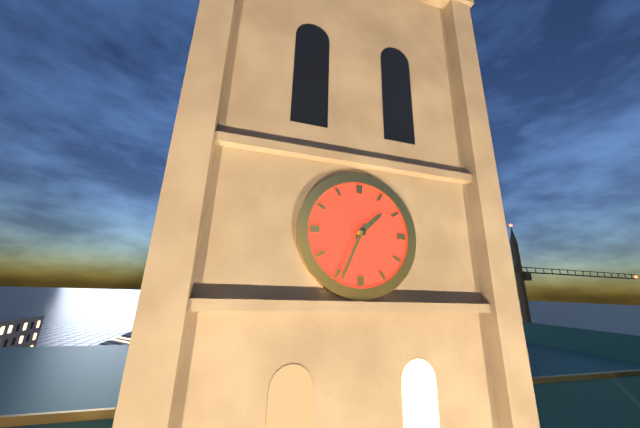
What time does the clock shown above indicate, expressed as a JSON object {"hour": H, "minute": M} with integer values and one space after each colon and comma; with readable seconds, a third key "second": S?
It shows {"hour": 1, "minute": 34}
